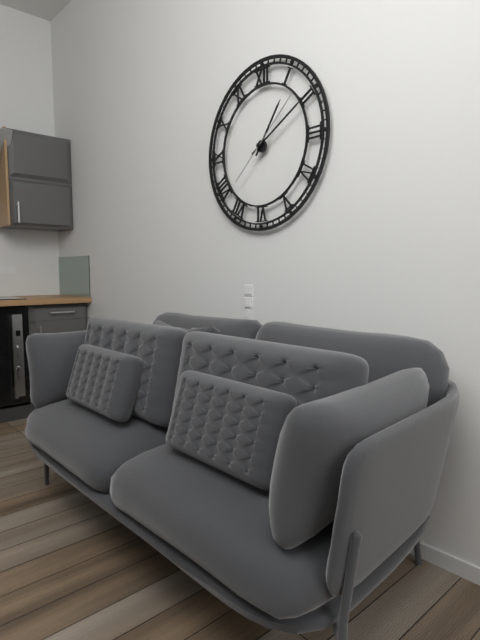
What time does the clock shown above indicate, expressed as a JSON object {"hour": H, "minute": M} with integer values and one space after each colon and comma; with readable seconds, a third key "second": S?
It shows {"hour": 1, "minute": 10, "second": 8}
